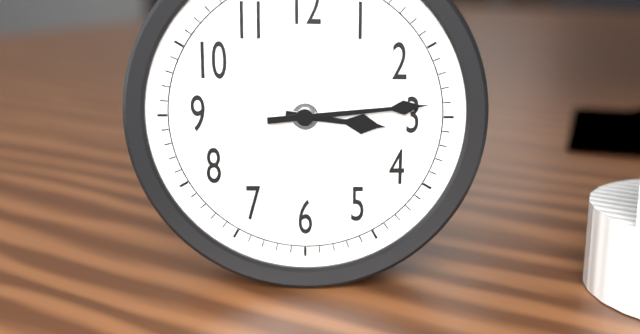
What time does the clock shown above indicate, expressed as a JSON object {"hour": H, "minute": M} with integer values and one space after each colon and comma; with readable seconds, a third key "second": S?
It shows {"hour": 3, "minute": 14}
